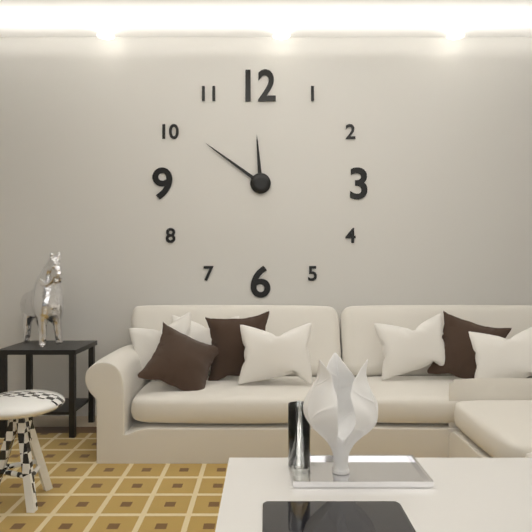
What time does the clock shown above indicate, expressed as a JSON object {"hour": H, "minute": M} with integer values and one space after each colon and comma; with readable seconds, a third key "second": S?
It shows {"hour": 11, "minute": 51}
